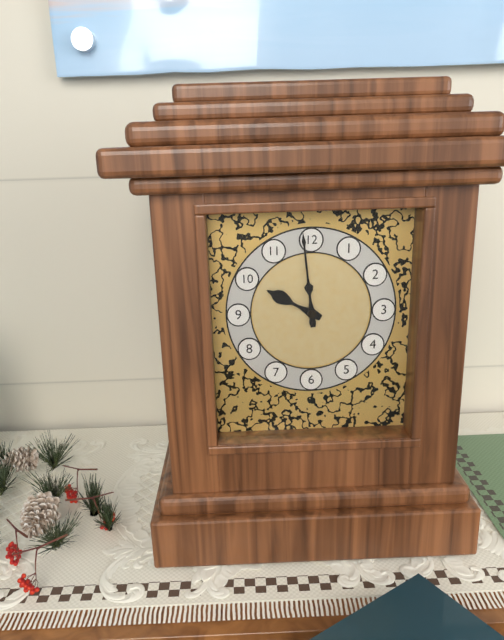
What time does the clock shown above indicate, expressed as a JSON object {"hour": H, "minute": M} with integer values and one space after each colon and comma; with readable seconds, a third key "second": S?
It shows {"hour": 9, "minute": 59}
